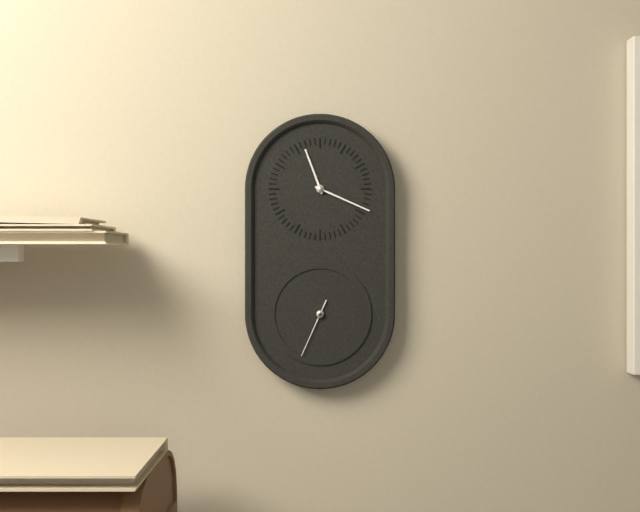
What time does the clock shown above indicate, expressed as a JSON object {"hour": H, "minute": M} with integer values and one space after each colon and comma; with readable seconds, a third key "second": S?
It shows {"hour": 11, "minute": 19, "second": 34}
